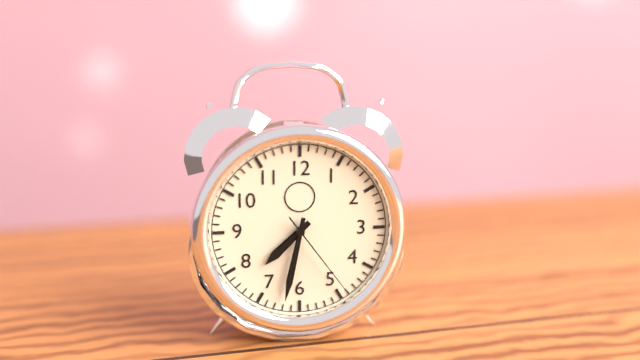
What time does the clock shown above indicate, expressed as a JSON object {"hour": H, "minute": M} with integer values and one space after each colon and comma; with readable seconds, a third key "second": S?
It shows {"hour": 7, "minute": 32, "second": 24}
